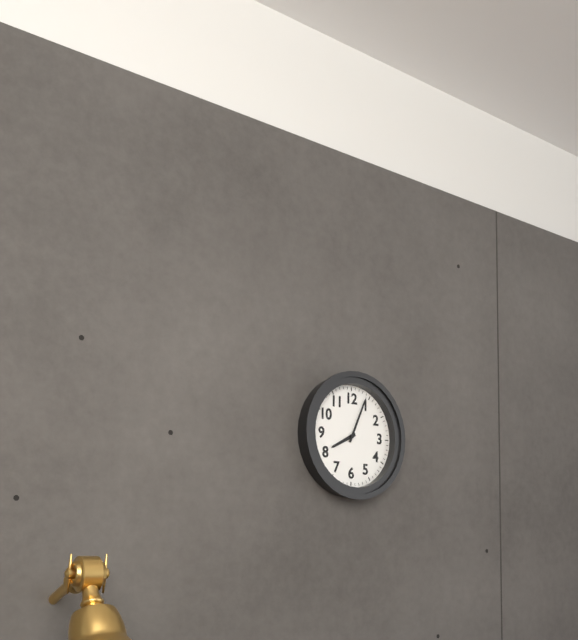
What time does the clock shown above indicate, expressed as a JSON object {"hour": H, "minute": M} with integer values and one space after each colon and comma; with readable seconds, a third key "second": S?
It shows {"hour": 8, "minute": 4}
